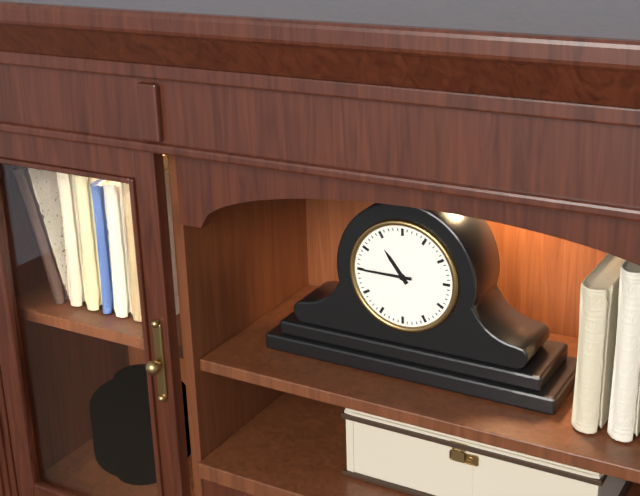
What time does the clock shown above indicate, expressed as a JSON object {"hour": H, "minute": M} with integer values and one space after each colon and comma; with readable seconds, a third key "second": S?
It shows {"hour": 10, "minute": 45}
